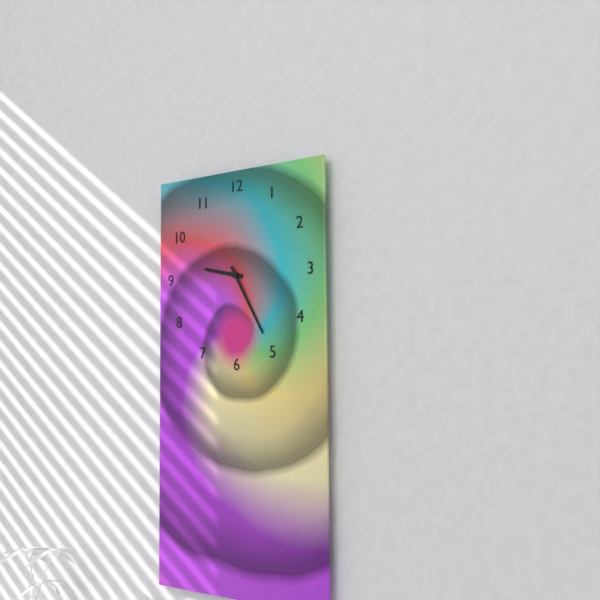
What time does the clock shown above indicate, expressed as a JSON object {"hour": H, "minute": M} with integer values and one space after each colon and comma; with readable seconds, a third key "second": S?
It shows {"hour": 9, "minute": 25}
